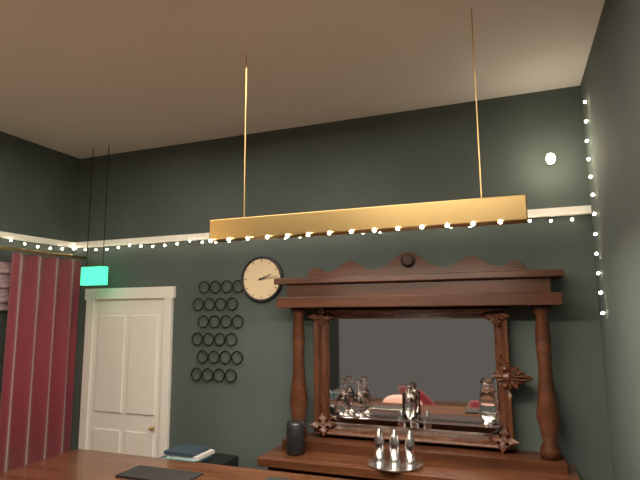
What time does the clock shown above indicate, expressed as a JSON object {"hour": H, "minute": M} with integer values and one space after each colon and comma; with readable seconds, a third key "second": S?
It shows {"hour": 2, "minute": 14}
